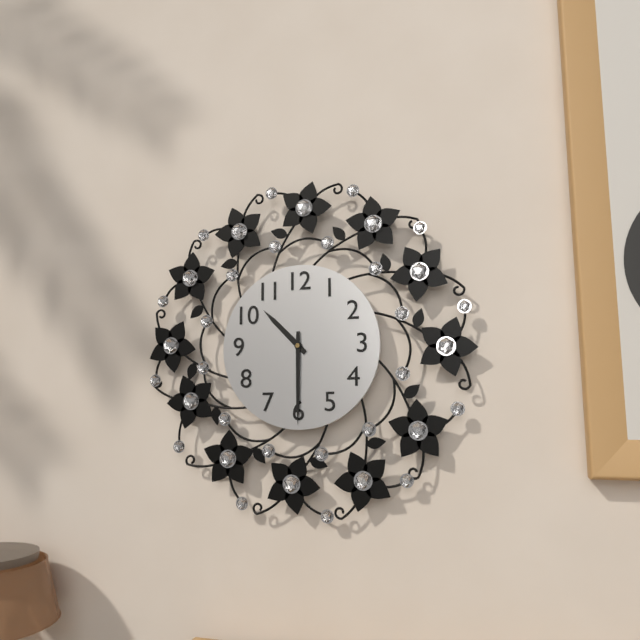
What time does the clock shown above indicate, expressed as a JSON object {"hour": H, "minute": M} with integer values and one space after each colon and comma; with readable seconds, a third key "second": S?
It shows {"hour": 10, "minute": 30}
